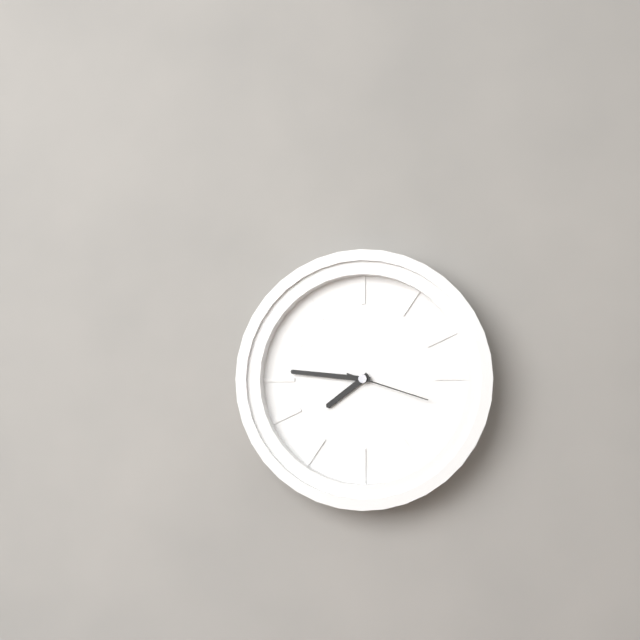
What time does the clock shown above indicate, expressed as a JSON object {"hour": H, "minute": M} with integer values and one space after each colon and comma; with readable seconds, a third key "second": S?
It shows {"hour": 7, "minute": 46, "second": 18}
